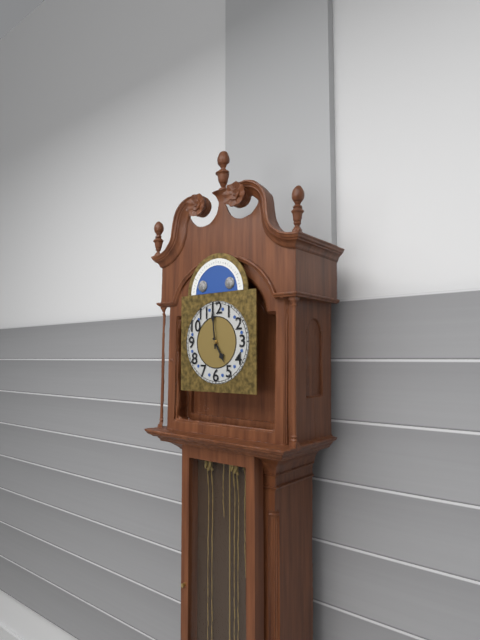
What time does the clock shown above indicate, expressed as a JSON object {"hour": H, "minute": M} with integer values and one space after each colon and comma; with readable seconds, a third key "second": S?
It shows {"hour": 4, "minute": 59}
